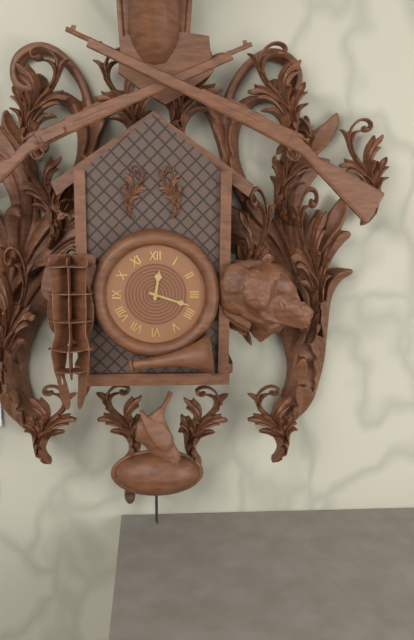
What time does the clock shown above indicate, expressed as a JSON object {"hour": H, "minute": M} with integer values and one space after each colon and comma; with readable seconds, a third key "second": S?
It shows {"hour": 12, "minute": 18}
